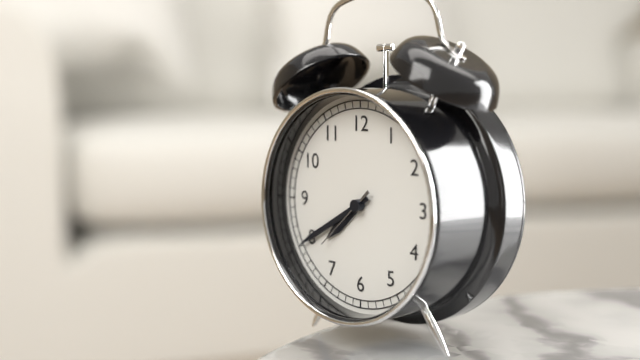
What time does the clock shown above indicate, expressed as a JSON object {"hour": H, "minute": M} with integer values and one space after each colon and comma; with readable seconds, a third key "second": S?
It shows {"hour": 7, "minute": 40, "second": 38}
